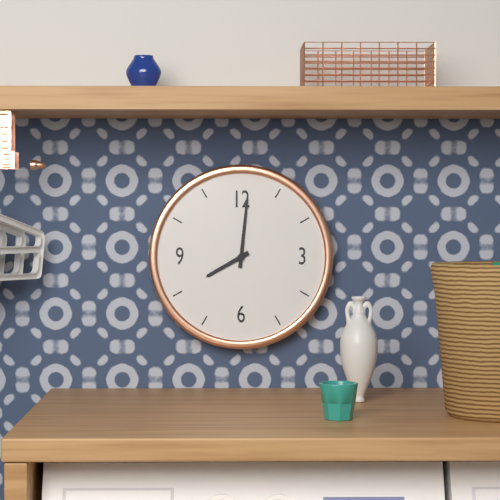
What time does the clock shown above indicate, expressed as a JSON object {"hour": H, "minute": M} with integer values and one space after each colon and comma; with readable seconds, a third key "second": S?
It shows {"hour": 8, "minute": 1}
